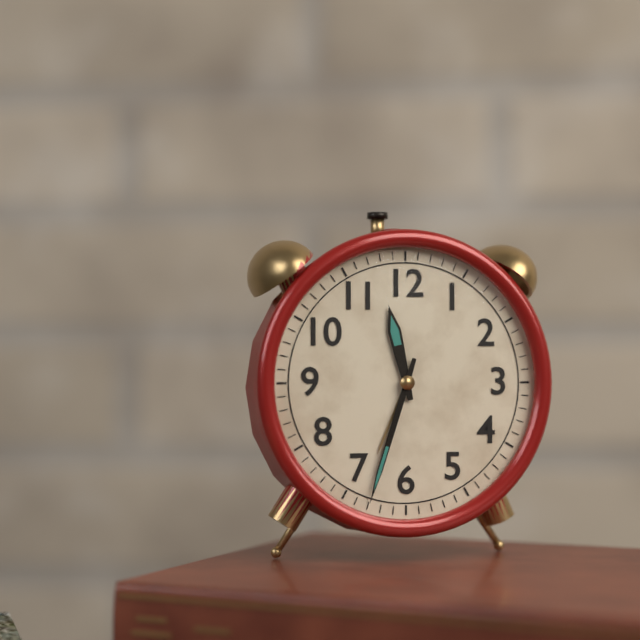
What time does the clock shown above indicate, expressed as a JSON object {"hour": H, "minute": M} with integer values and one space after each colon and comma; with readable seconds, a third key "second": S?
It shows {"hour": 11, "minute": 33}
